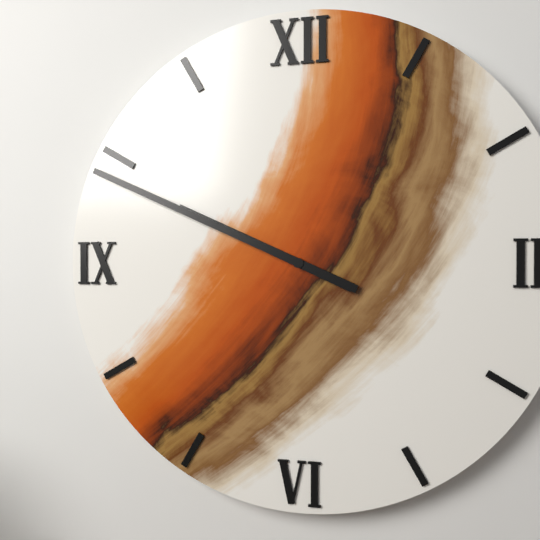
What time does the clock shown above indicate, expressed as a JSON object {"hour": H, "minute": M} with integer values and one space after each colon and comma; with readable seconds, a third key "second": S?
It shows {"hour": 9, "minute": 49}
